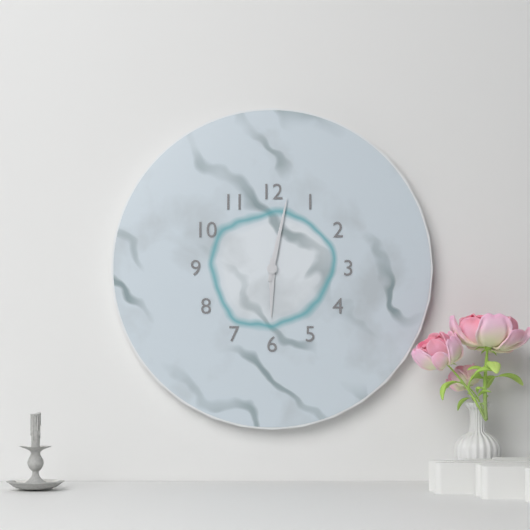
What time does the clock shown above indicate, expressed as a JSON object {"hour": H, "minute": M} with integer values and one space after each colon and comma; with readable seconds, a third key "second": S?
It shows {"hour": 6, "minute": 2}
